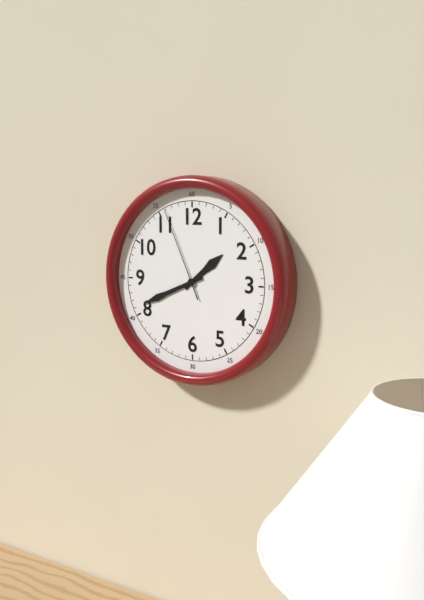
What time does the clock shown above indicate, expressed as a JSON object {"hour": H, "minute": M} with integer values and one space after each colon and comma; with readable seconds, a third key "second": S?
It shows {"hour": 1, "minute": 41, "second": 56}
